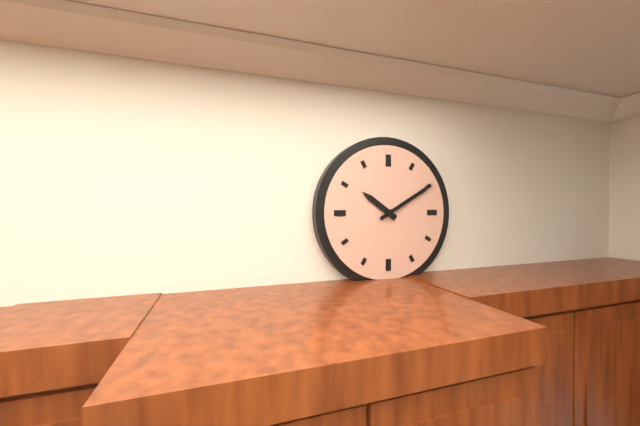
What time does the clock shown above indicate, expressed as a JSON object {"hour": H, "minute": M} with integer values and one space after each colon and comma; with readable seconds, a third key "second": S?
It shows {"hour": 10, "minute": 10}
